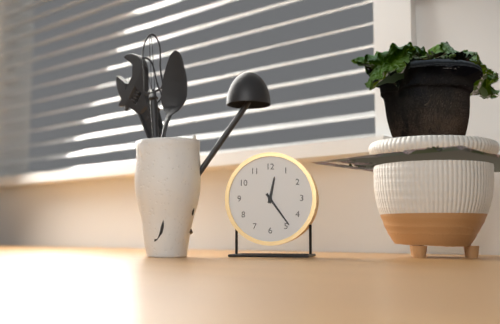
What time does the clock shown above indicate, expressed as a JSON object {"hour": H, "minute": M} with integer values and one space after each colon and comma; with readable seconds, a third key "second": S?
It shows {"hour": 12, "minute": 24}
